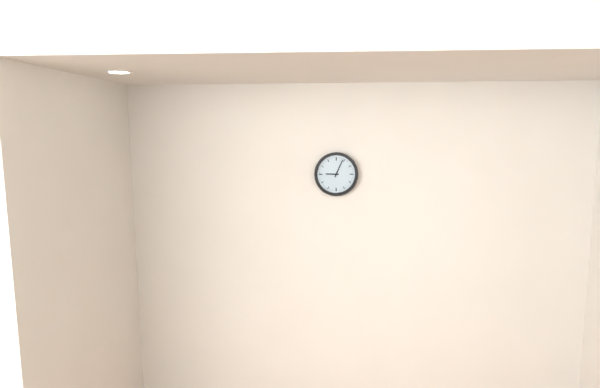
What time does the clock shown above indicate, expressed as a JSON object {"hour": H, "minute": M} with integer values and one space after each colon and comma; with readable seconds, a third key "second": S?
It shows {"hour": 9, "minute": 4}
